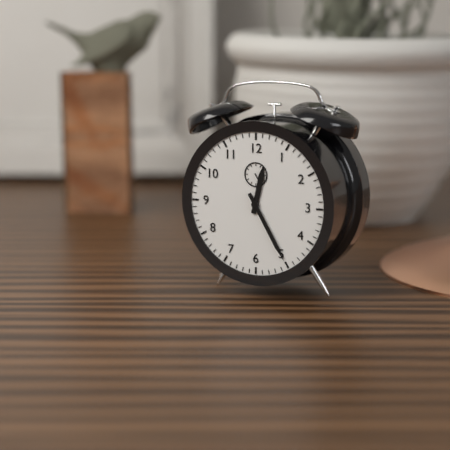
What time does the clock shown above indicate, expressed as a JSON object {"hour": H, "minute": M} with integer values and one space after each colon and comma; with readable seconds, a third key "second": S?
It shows {"hour": 12, "minute": 25}
